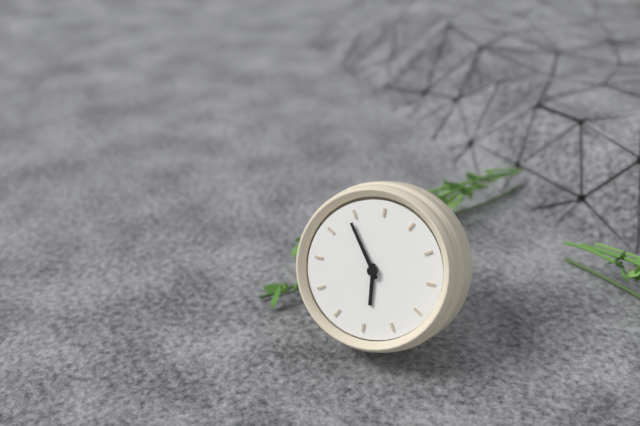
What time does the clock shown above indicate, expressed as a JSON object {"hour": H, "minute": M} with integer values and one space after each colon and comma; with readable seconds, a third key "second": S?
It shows {"hour": 4, "minute": 49}
